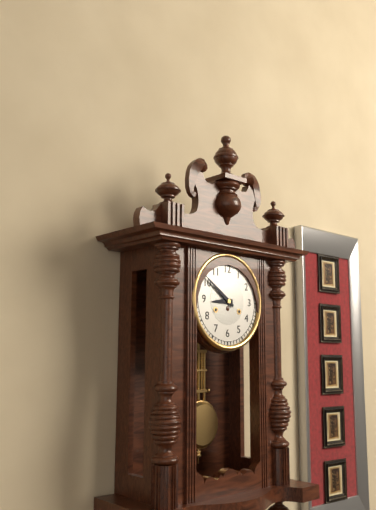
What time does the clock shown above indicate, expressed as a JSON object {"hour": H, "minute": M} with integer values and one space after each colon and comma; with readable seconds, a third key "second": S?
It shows {"hour": 8, "minute": 51}
